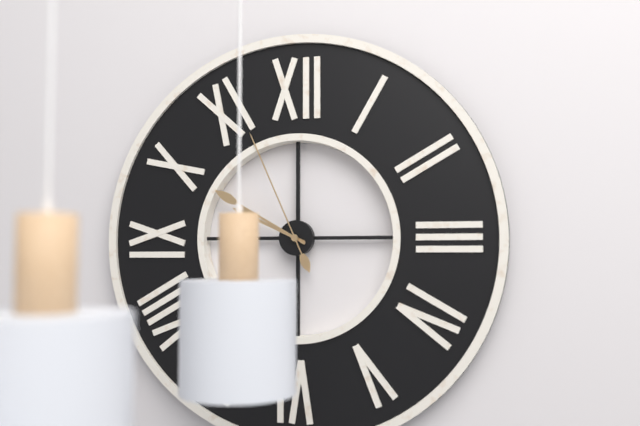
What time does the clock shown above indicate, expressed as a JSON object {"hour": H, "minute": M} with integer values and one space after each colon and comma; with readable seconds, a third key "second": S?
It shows {"hour": 9, "minute": 50, "second": 56}
